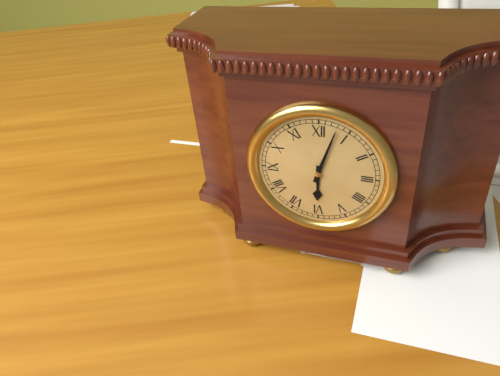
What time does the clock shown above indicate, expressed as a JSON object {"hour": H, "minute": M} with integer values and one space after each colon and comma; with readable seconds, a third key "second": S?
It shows {"hour": 6, "minute": 3}
